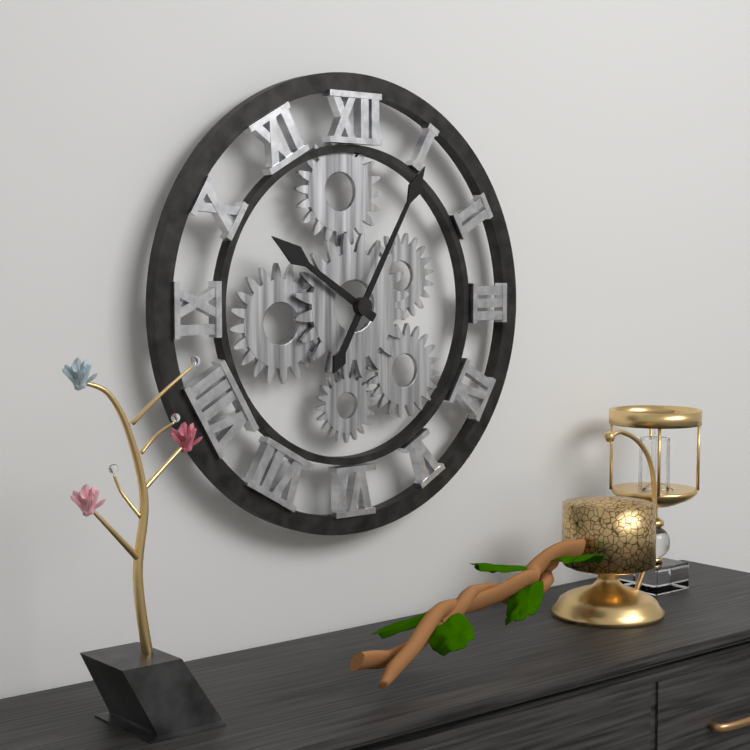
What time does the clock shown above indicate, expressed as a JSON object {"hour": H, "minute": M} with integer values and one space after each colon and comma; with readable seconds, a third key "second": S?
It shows {"hour": 10, "minute": 5}
